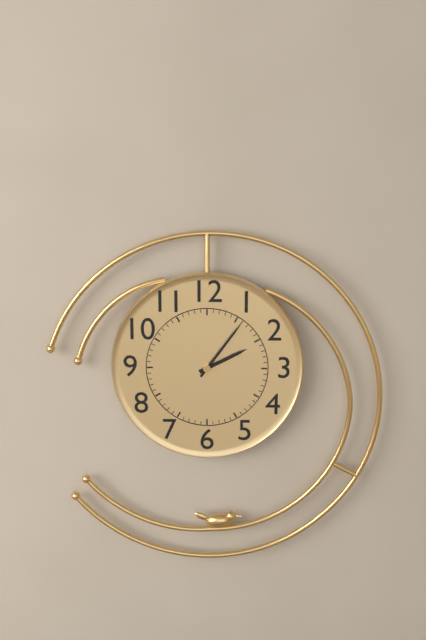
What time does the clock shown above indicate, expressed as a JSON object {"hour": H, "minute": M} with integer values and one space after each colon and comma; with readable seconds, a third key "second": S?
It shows {"hour": 2, "minute": 6}
